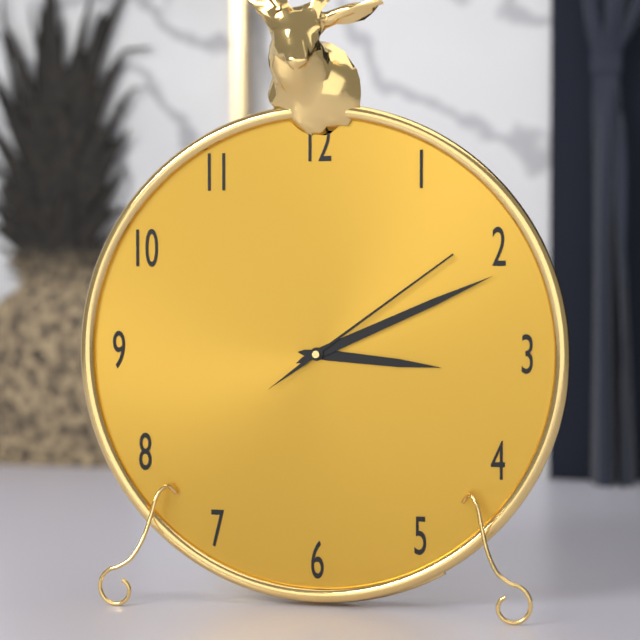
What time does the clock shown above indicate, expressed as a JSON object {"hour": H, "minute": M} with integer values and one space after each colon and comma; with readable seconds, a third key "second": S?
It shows {"hour": 3, "minute": 11, "second": 9}
